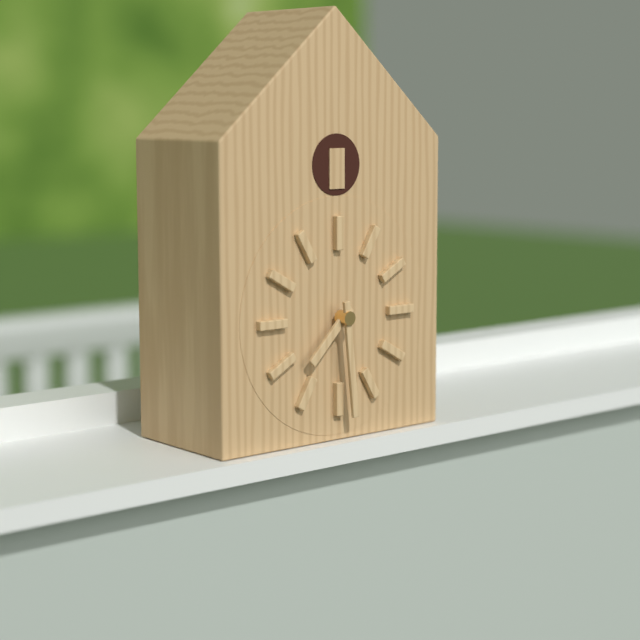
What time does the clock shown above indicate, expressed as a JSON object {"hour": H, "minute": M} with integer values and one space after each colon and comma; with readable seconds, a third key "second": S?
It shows {"hour": 7, "minute": 29}
